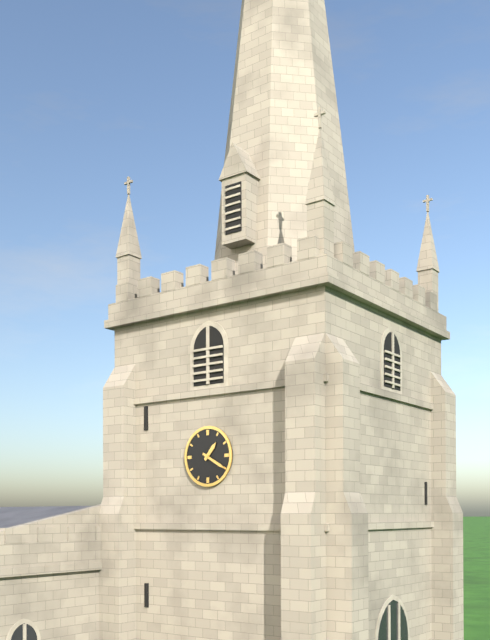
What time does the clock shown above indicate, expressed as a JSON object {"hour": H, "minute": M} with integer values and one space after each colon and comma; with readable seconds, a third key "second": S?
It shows {"hour": 1, "minute": 20}
